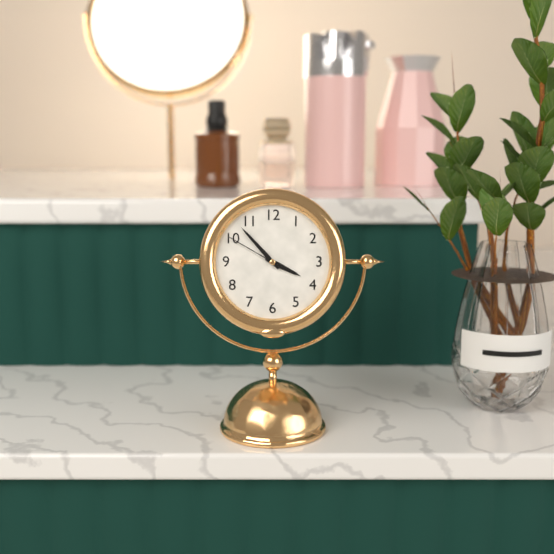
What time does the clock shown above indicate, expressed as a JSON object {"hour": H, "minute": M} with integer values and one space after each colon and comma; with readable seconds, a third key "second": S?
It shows {"hour": 3, "minute": 53, "second": 50}
